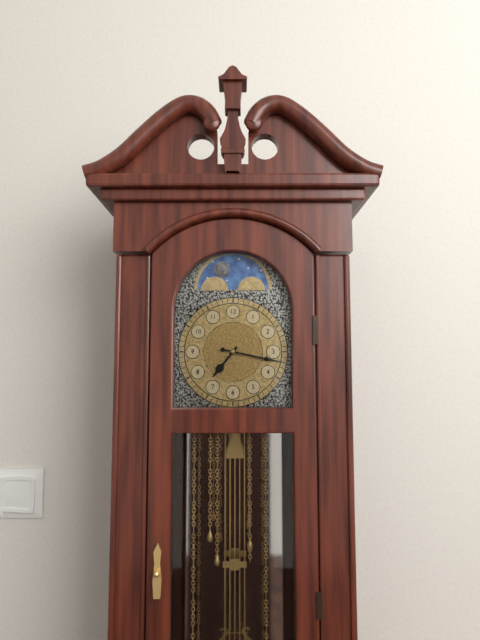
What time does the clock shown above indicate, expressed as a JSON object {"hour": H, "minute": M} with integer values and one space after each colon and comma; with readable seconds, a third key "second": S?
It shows {"hour": 7, "minute": 17}
